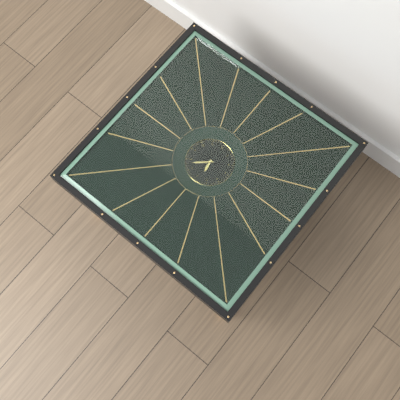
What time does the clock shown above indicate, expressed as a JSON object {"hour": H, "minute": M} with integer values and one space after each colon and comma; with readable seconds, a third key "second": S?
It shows {"hour": 5, "minute": 38}
